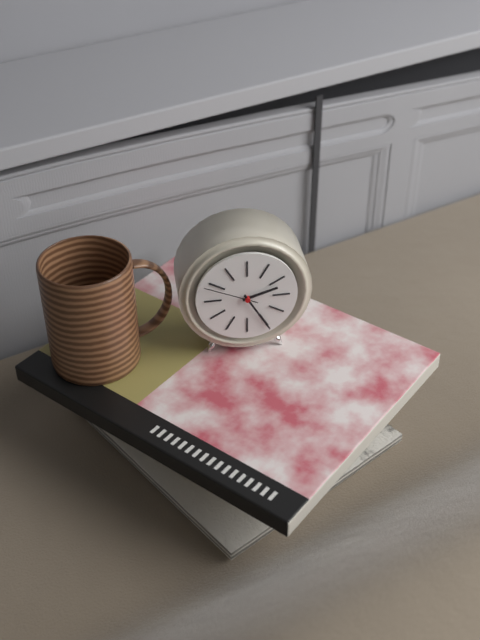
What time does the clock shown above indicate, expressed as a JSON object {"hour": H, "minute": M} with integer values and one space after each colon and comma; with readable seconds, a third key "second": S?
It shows {"hour": 2, "minute": 25, "second": 49}
